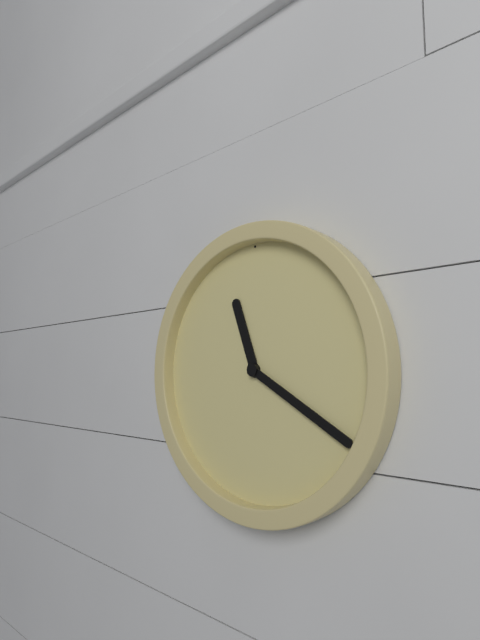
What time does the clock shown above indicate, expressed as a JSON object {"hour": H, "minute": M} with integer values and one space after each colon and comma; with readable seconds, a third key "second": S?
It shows {"hour": 11, "minute": 20}
